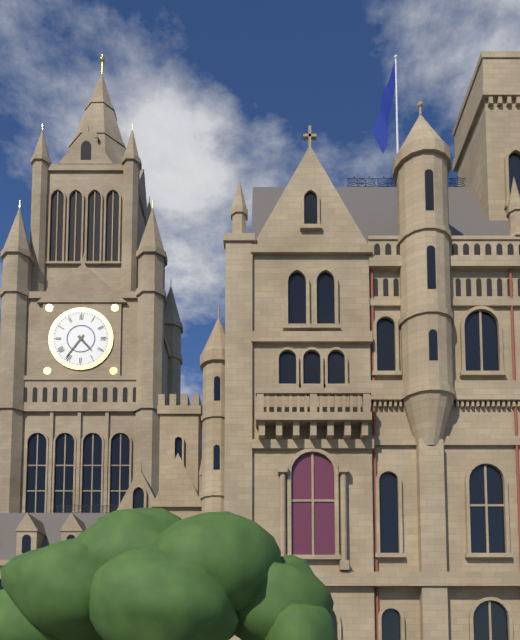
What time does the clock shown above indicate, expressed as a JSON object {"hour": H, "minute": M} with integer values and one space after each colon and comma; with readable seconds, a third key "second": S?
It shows {"hour": 4, "minute": 36}
